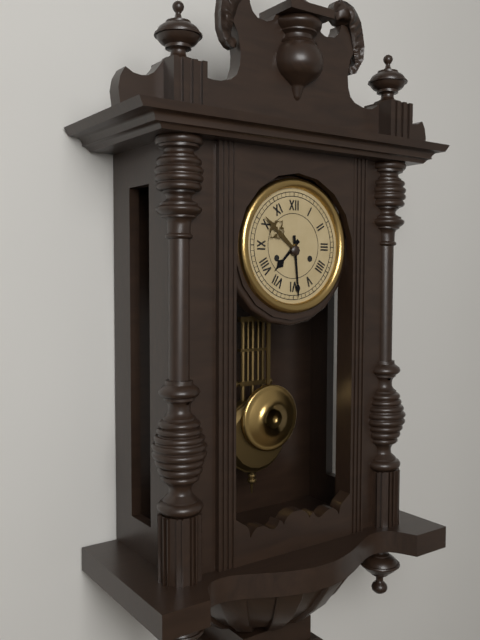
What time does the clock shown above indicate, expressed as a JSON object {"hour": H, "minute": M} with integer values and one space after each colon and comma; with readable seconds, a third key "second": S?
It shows {"hour": 7, "minute": 29}
